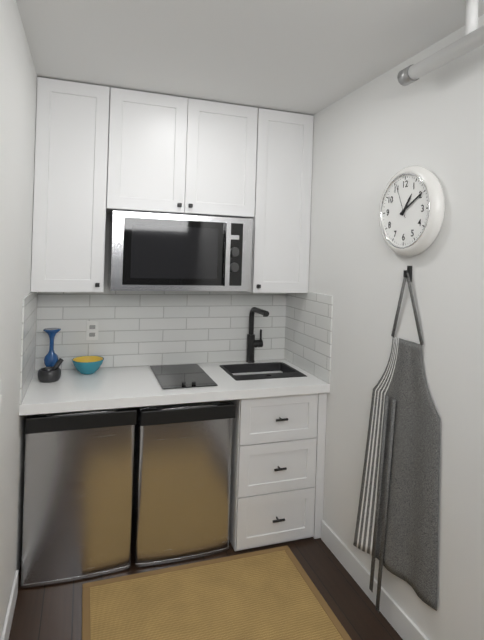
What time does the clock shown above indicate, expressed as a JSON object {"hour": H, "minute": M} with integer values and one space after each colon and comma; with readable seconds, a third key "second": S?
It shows {"hour": 1, "minute": 10}
